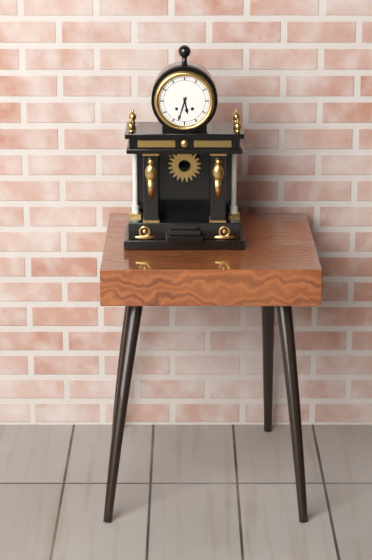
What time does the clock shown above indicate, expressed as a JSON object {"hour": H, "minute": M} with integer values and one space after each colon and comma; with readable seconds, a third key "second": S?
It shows {"hour": 5, "minute": 33}
